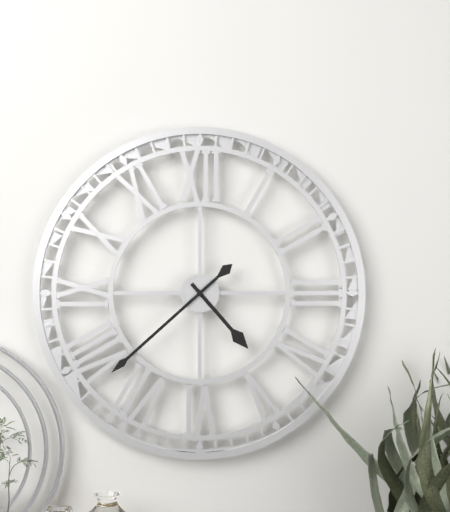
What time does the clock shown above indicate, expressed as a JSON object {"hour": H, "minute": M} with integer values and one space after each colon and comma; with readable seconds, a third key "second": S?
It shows {"hour": 4, "minute": 38}
